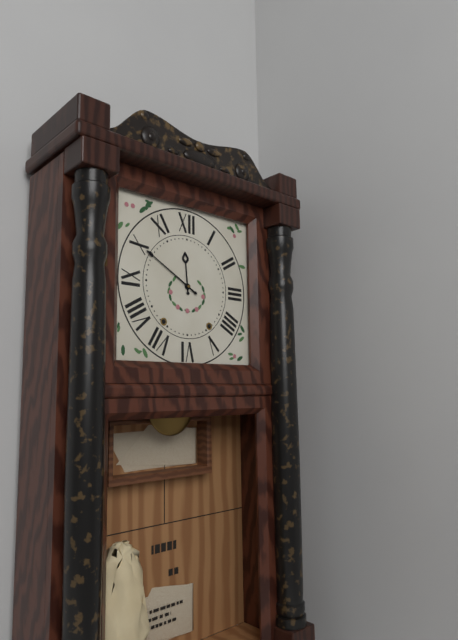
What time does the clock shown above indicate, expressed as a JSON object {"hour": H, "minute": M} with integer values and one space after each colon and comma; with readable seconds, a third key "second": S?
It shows {"hour": 11, "minute": 50}
